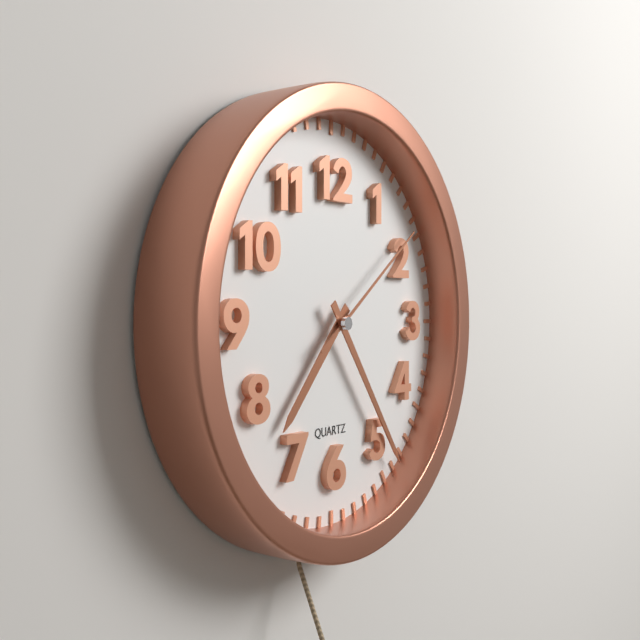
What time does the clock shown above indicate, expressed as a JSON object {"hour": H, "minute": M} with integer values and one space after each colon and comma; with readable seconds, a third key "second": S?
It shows {"hour": 7, "minute": 24, "second": 9}
